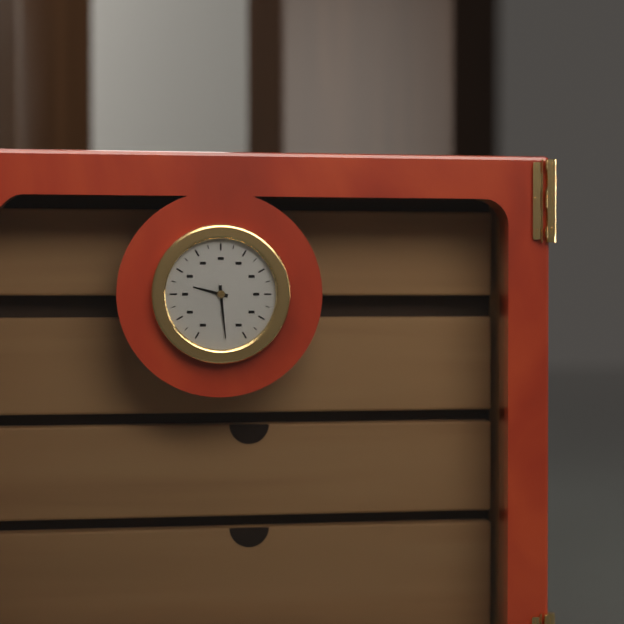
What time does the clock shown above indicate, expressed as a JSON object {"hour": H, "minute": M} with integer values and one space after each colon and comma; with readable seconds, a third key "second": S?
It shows {"hour": 9, "minute": 29}
